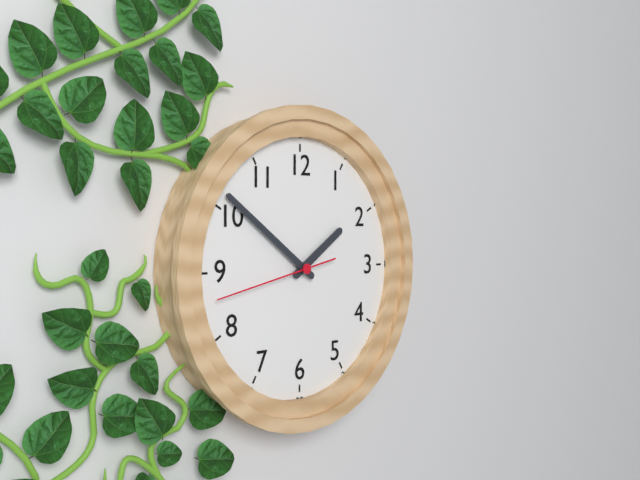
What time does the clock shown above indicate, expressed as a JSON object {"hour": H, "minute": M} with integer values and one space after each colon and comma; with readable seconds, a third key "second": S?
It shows {"hour": 1, "minute": 51, "second": 43}
